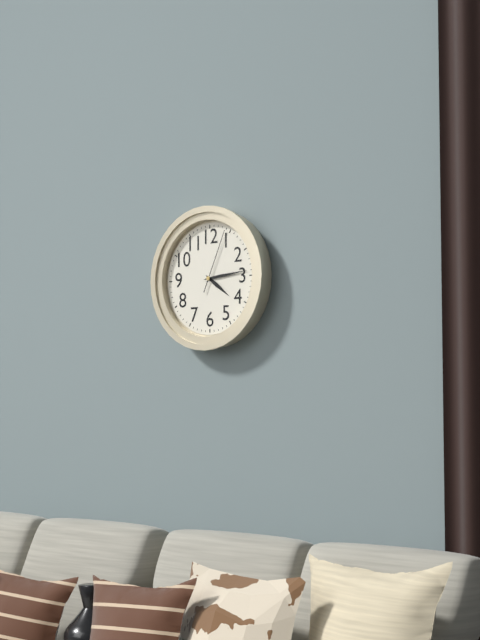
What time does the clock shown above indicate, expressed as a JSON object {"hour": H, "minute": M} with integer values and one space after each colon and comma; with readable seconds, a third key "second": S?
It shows {"hour": 4, "minute": 14, "second": 4}
